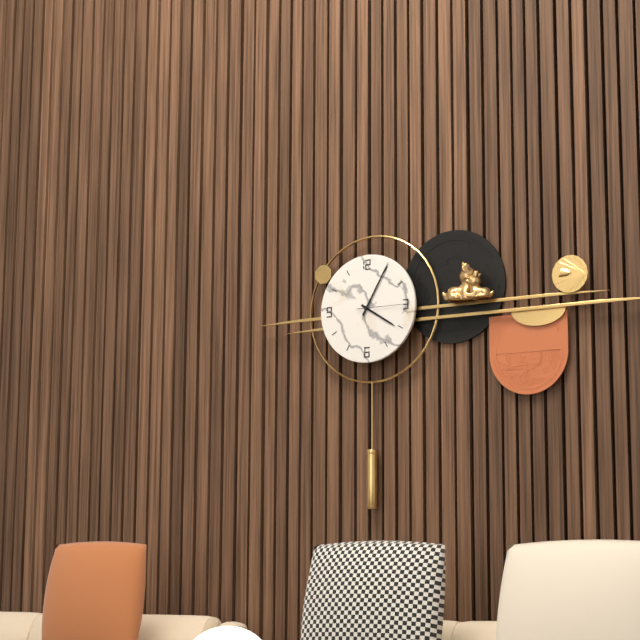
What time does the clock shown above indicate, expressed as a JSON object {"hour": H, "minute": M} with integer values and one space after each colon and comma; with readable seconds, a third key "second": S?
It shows {"hour": 4, "minute": 5, "second": 15}
